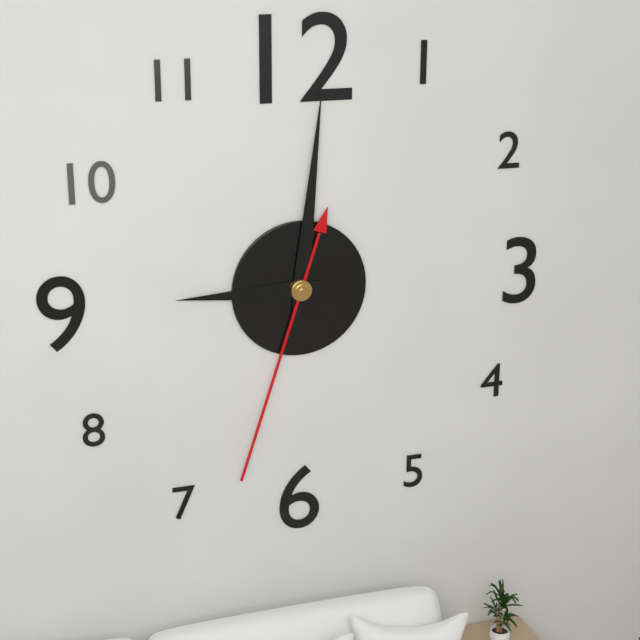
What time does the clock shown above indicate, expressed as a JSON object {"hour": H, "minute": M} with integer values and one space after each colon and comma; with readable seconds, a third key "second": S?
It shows {"hour": 9, "minute": 1, "second": 33}
